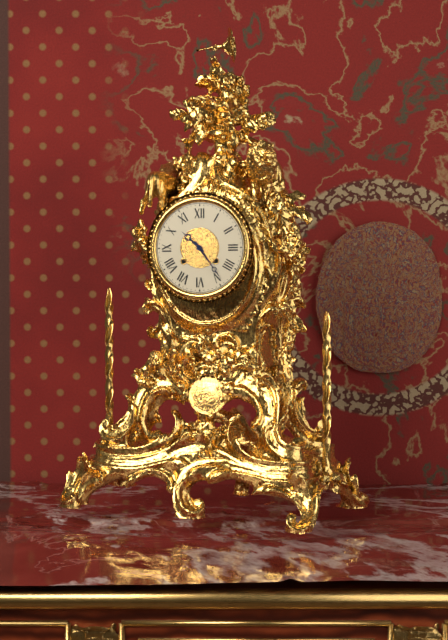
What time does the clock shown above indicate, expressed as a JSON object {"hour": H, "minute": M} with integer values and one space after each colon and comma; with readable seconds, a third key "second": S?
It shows {"hour": 10, "minute": 24}
